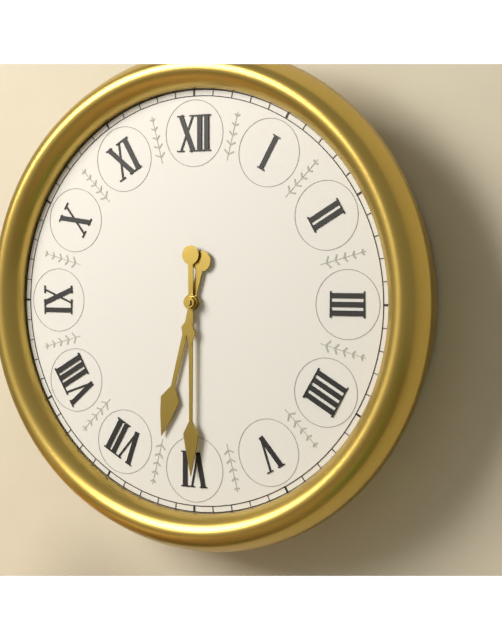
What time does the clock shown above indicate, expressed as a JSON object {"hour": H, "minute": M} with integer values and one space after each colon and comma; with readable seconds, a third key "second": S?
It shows {"hour": 6, "minute": 30}
